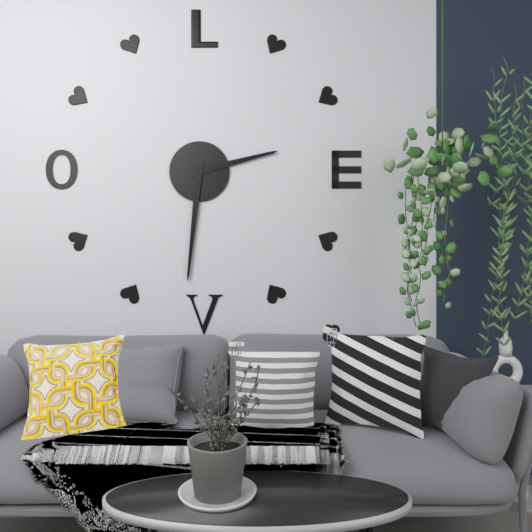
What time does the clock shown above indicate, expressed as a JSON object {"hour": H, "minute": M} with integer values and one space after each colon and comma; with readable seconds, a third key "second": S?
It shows {"hour": 2, "minute": 31}
